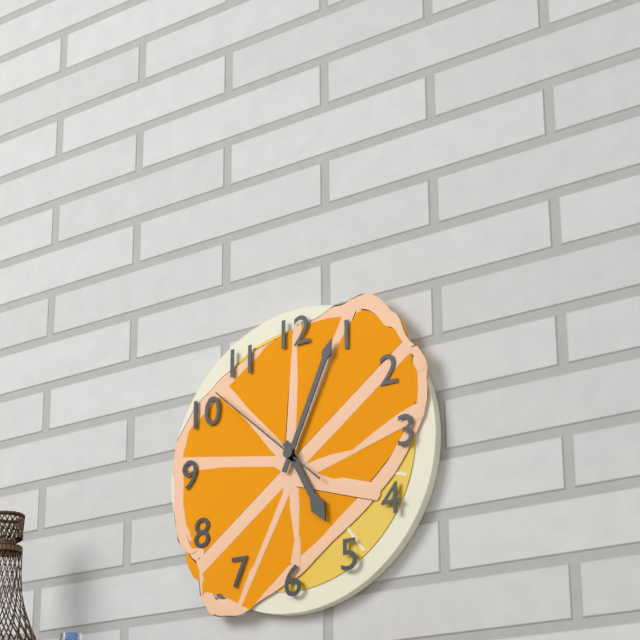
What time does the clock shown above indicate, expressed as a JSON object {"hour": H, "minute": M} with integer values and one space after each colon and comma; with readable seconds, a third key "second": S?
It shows {"hour": 5, "minute": 4, "second": 52}
